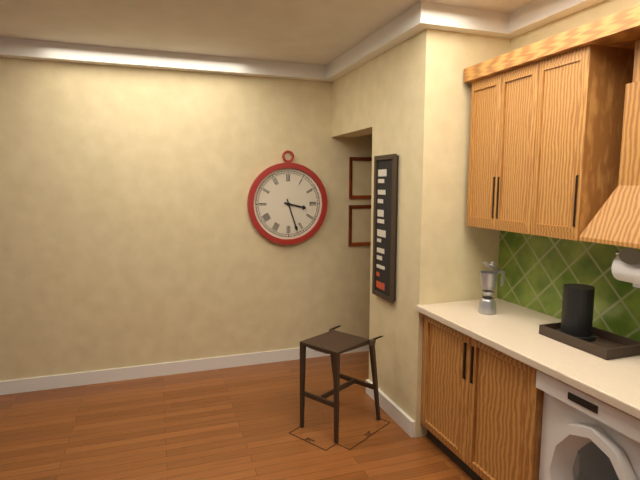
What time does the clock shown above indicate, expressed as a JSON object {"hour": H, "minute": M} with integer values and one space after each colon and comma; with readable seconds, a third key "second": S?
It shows {"hour": 3, "minute": 27}
